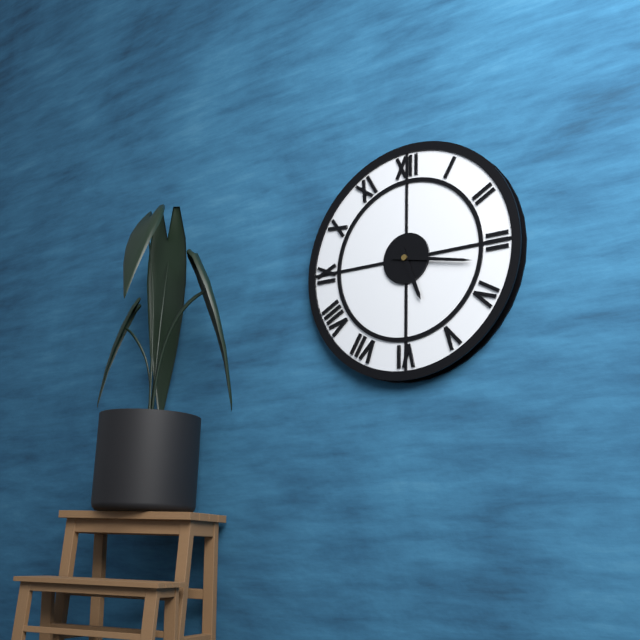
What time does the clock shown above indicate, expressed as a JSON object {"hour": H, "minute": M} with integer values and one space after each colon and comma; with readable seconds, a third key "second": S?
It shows {"hour": 5, "minute": 17}
